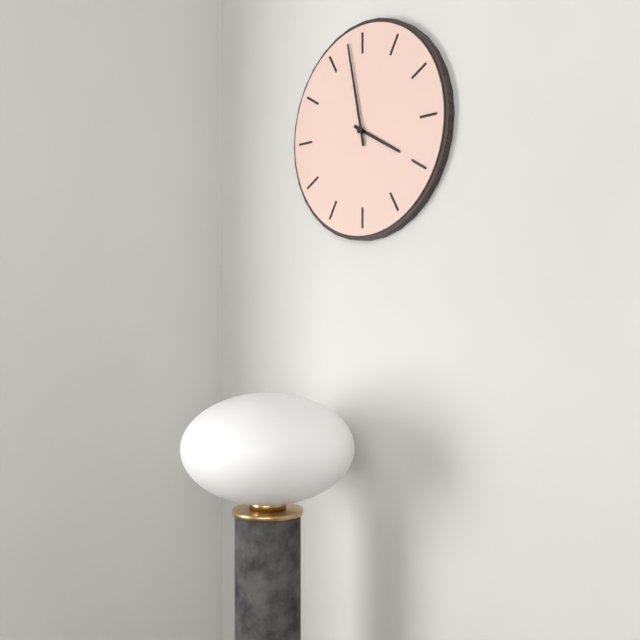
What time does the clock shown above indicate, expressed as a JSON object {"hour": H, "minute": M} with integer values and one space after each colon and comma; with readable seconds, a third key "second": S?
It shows {"hour": 3, "minute": 58}
